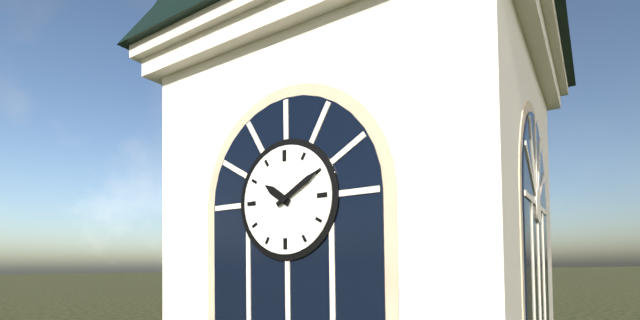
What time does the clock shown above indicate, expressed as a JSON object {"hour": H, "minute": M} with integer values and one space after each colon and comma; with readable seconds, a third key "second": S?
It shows {"hour": 10, "minute": 10}
